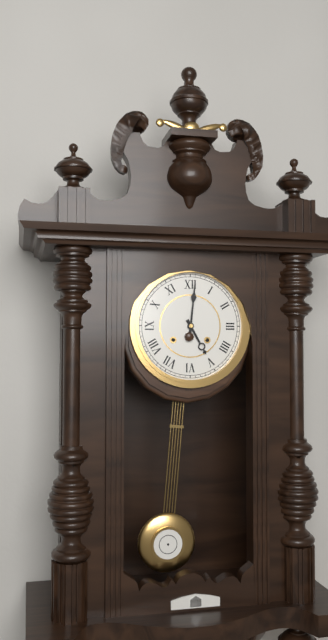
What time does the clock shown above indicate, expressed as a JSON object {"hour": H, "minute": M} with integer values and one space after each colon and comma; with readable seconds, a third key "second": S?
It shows {"hour": 5, "minute": 1}
